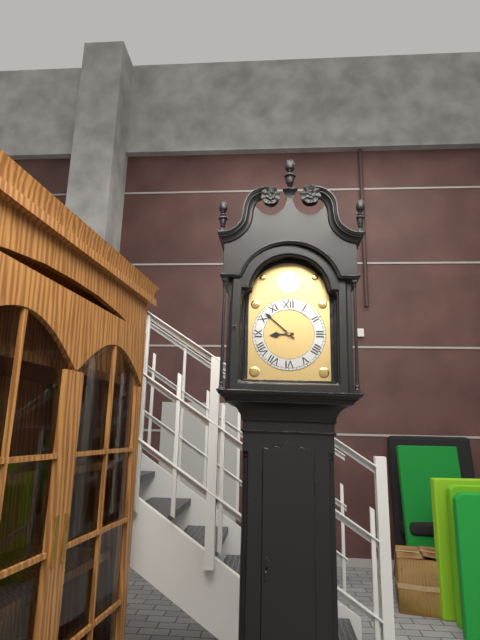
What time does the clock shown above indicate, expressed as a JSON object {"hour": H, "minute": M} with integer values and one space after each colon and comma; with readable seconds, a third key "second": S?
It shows {"hour": 8, "minute": 52}
